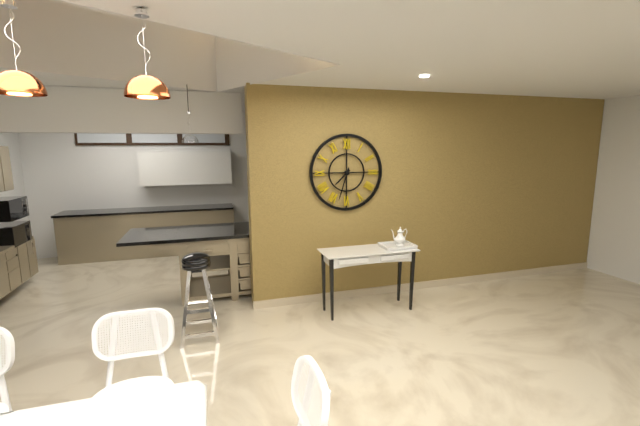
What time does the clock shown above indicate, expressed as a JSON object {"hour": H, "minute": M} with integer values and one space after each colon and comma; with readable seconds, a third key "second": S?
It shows {"hour": 7, "minute": 33}
